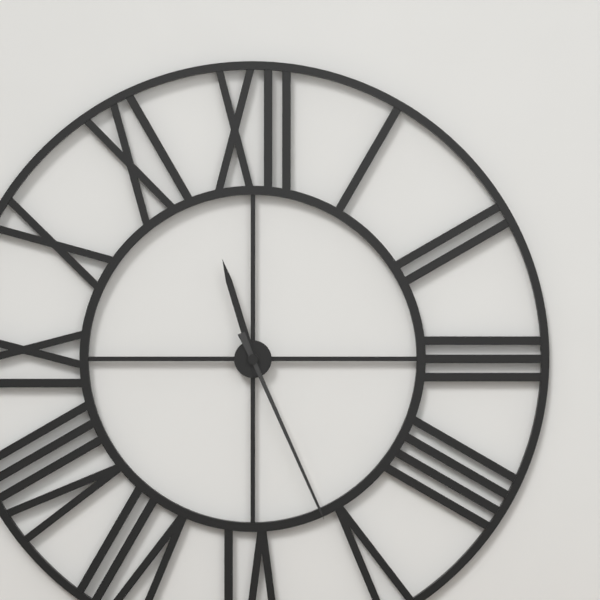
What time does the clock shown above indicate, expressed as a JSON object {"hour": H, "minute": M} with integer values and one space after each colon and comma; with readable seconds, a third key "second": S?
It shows {"hour": 11, "minute": 26}
